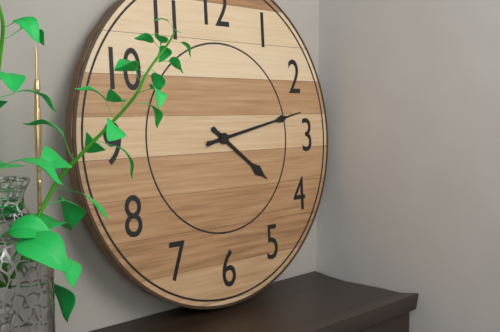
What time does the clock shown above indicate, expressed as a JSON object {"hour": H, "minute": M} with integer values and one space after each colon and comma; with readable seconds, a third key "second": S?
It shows {"hour": 4, "minute": 13}
